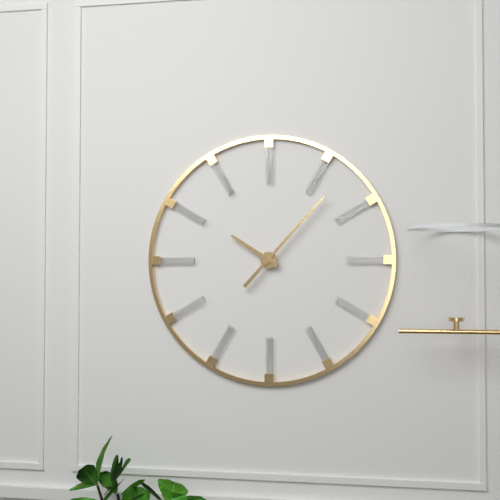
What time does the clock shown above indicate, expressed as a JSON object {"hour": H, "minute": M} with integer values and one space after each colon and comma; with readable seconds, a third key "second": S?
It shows {"hour": 10, "minute": 7}
